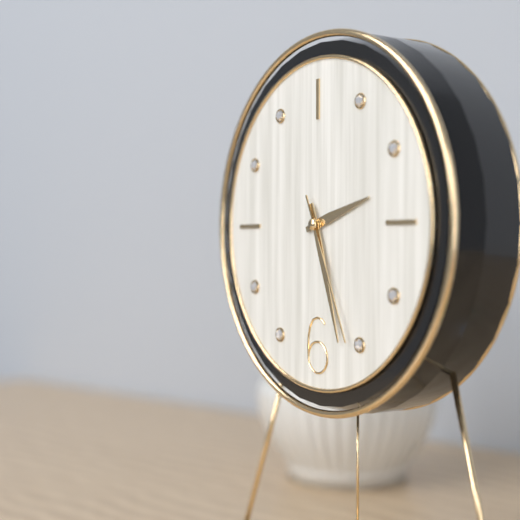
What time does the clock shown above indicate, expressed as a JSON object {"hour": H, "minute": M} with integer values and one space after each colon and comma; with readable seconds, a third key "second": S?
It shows {"hour": 2, "minute": 27, "second": 26}
